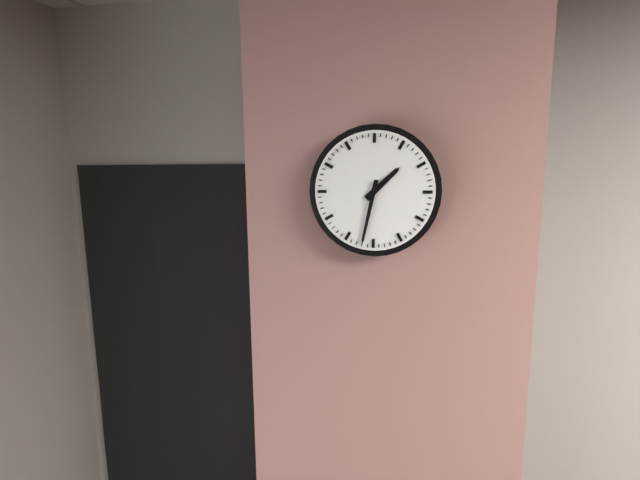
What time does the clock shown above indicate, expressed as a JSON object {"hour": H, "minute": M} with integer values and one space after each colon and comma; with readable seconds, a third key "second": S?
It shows {"hour": 1, "minute": 32}
